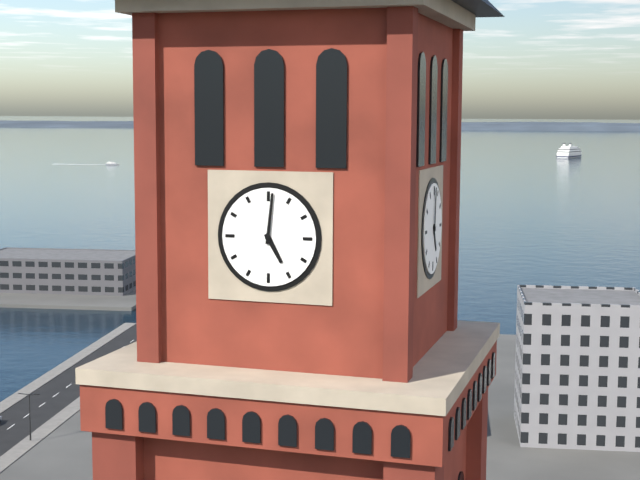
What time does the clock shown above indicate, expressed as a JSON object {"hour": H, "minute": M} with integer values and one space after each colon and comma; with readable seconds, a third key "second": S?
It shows {"hour": 5, "minute": 1}
